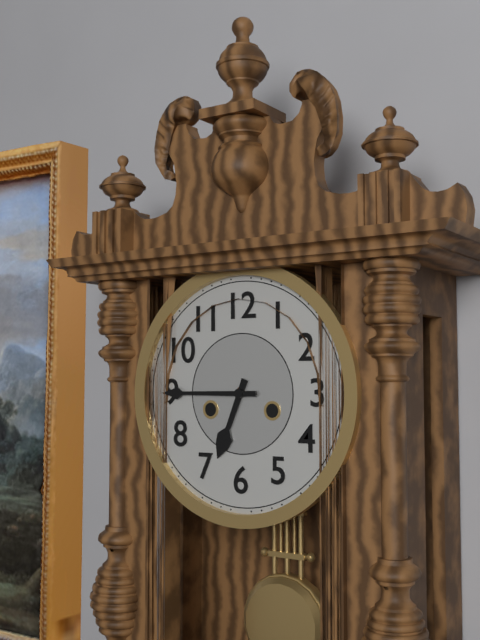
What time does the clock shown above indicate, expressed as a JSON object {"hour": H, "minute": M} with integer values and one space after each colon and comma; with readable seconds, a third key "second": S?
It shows {"hour": 6, "minute": 45}
